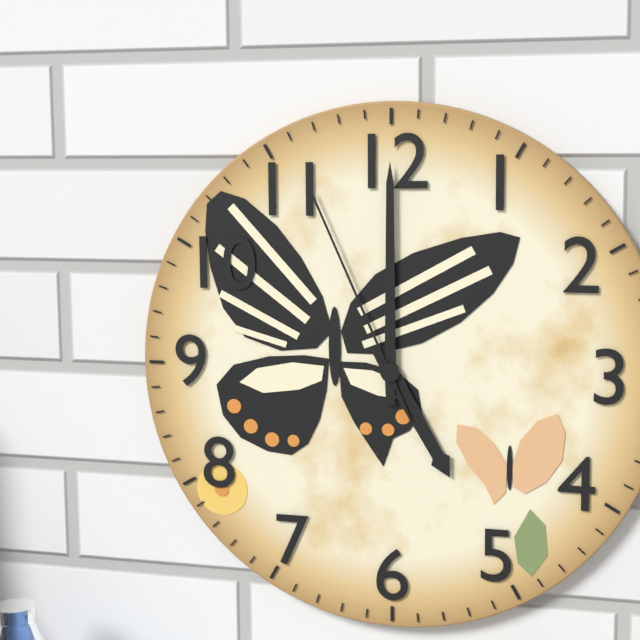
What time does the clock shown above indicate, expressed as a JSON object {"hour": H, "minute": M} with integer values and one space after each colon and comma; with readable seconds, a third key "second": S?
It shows {"hour": 5, "minute": 0, "second": 56}
